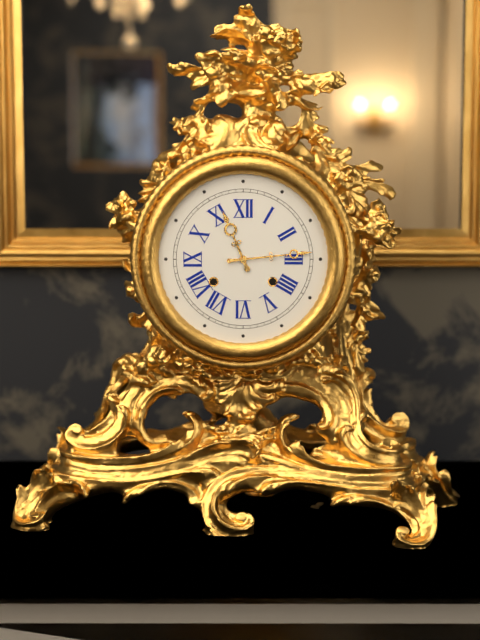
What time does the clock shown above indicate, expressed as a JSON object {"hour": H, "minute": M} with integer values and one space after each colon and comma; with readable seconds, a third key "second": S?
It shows {"hour": 11, "minute": 14}
